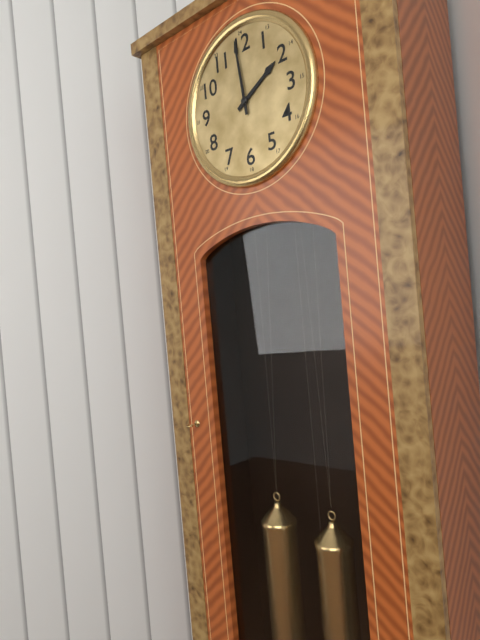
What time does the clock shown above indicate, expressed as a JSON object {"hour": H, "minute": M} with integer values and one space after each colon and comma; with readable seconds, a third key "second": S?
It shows {"hour": 1, "minute": 59}
